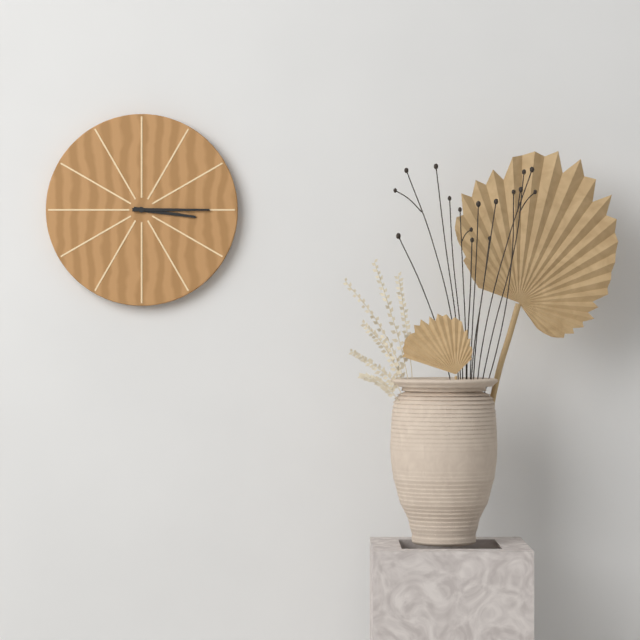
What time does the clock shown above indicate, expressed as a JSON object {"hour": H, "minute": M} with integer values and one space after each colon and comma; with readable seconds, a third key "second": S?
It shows {"hour": 3, "minute": 15}
